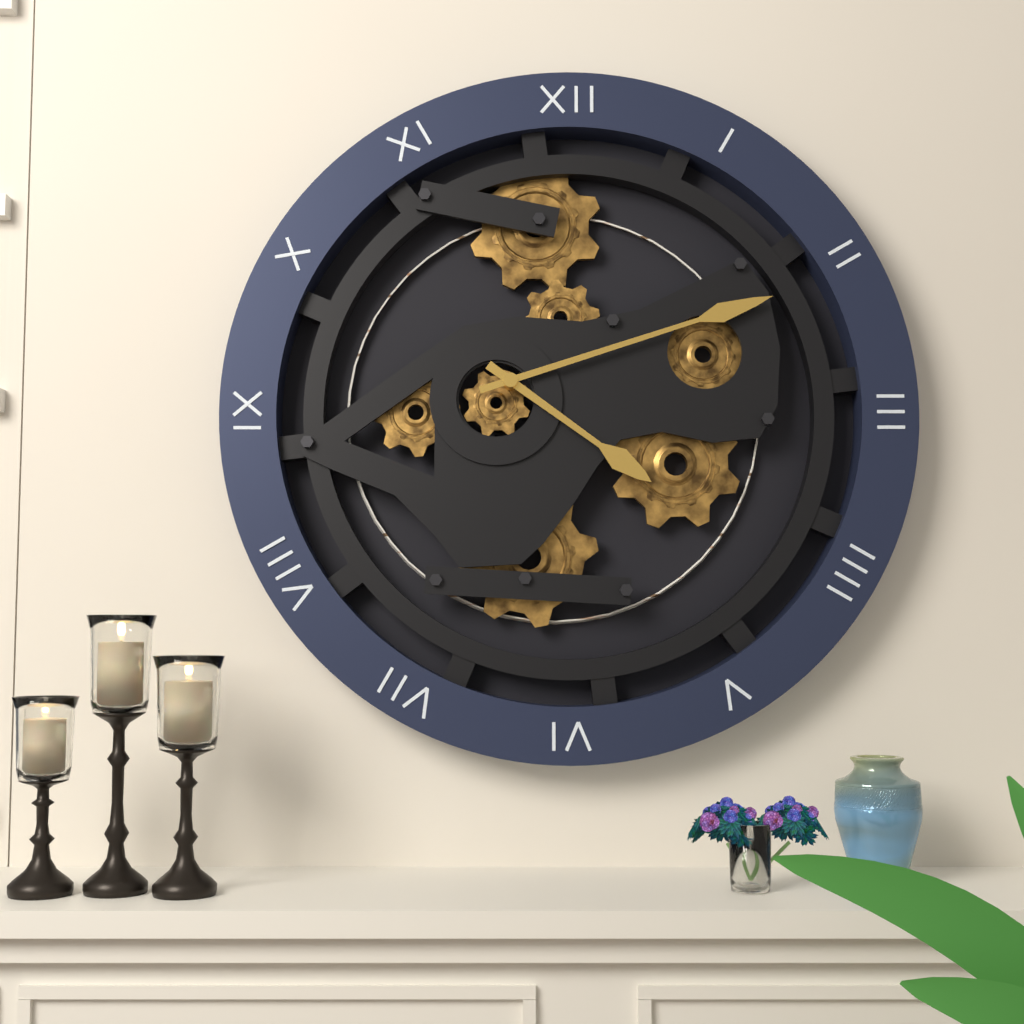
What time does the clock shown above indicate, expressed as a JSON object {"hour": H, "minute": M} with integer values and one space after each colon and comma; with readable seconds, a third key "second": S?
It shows {"hour": 4, "minute": 12}
